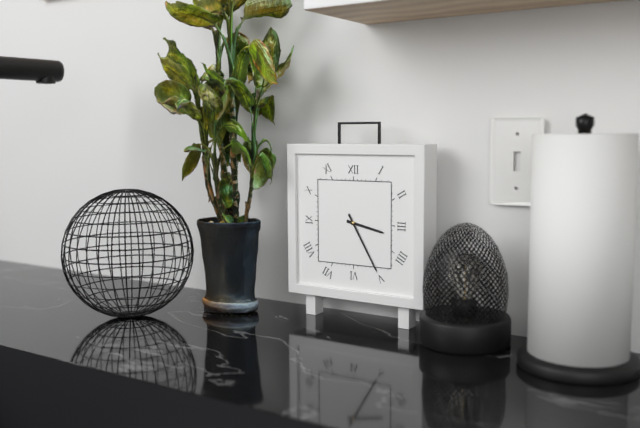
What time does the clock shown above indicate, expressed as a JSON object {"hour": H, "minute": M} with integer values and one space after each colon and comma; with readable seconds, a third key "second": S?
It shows {"hour": 3, "minute": 25}
